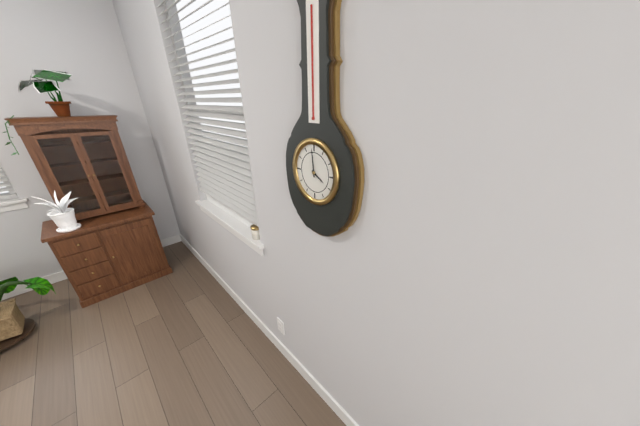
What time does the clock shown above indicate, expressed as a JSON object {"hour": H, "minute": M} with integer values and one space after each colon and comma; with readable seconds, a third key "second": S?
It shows {"hour": 3, "minute": 59}
